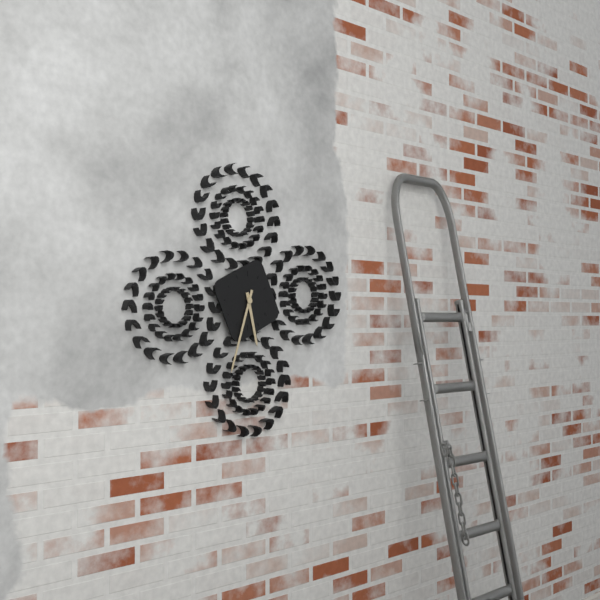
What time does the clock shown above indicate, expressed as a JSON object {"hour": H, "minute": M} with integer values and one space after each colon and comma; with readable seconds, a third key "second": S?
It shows {"hour": 5, "minute": 33}
